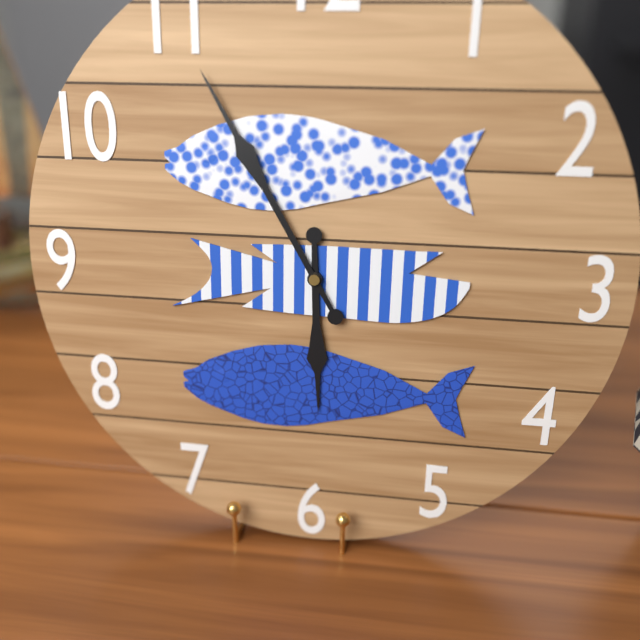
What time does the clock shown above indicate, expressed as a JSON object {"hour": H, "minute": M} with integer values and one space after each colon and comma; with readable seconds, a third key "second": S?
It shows {"hour": 5, "minute": 55}
